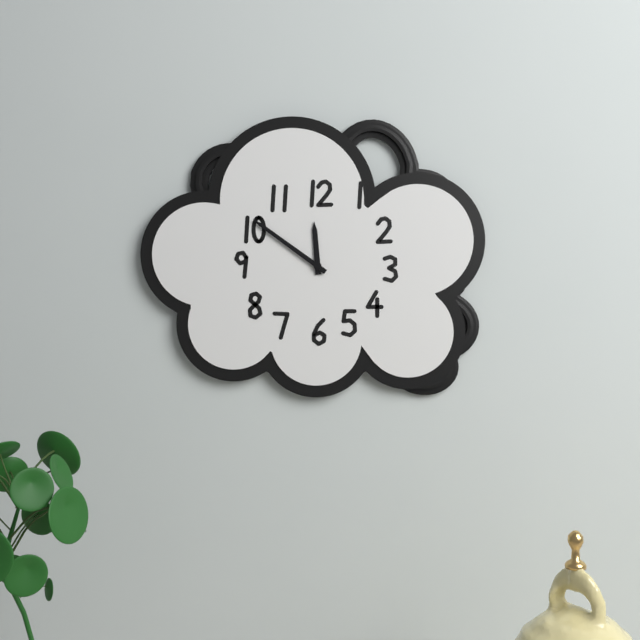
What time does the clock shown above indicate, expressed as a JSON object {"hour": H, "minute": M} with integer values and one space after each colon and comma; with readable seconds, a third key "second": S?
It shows {"hour": 11, "minute": 51}
